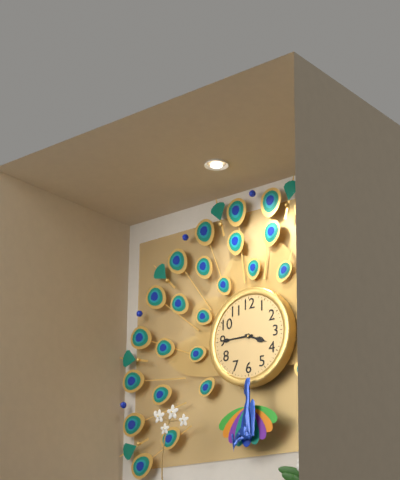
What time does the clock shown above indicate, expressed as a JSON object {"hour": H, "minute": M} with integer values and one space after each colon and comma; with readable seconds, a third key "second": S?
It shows {"hour": 3, "minute": 45}
